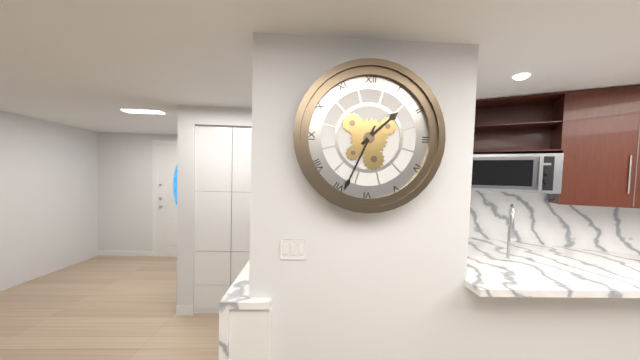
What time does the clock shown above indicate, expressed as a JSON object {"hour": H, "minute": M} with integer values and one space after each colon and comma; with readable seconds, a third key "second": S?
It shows {"hour": 1, "minute": 34}
